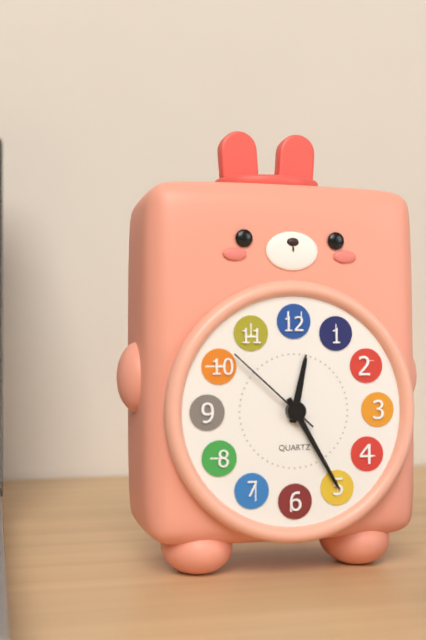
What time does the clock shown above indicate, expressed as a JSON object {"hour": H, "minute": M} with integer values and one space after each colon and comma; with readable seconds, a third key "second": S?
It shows {"hour": 12, "minute": 25, "second": 52}
